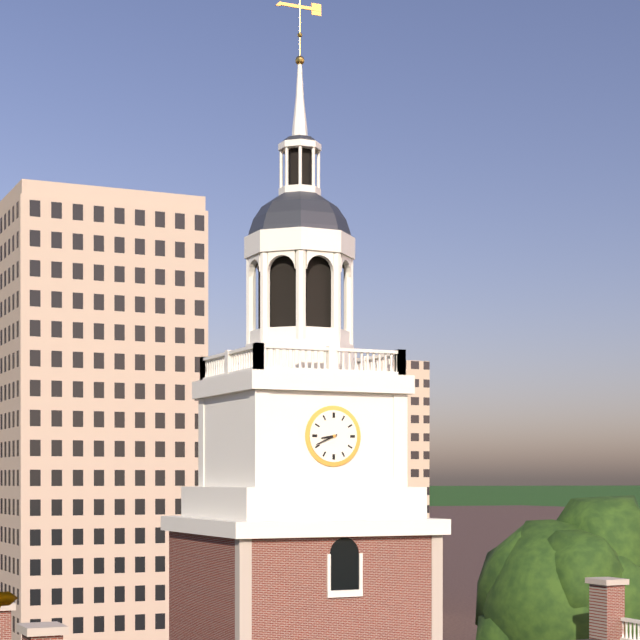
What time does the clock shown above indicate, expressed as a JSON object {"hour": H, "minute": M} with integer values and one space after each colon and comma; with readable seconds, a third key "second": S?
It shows {"hour": 8, "minute": 41}
